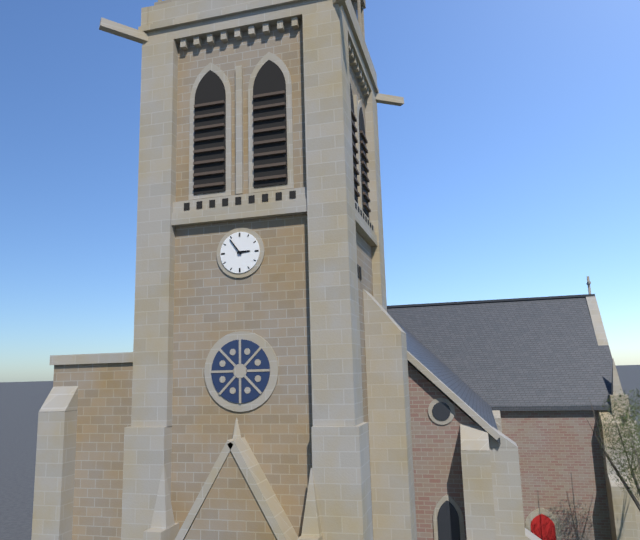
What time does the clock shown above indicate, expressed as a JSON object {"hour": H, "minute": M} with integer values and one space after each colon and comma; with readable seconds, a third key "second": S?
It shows {"hour": 2, "minute": 54}
